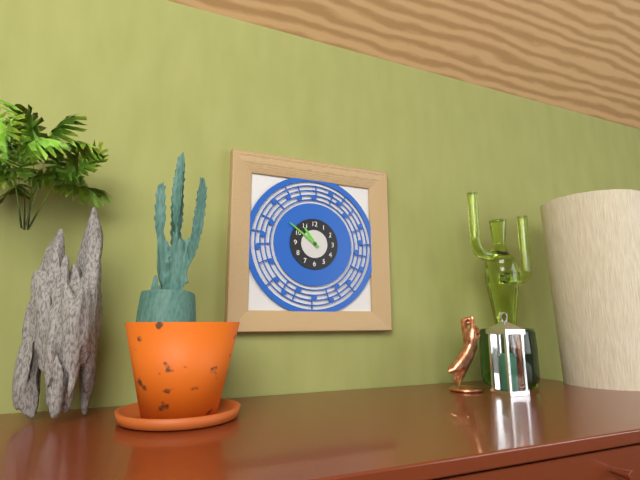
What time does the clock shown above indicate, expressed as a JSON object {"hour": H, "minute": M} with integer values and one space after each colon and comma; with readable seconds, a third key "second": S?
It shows {"hour": 10, "minute": 51}
